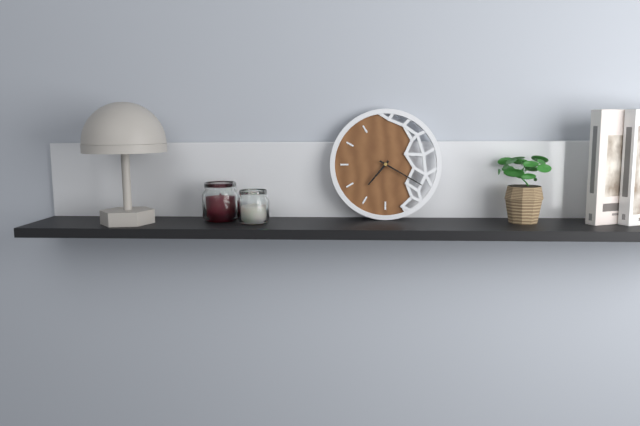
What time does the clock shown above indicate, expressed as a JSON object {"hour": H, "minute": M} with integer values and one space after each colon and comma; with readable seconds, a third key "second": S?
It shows {"hour": 7, "minute": 20}
